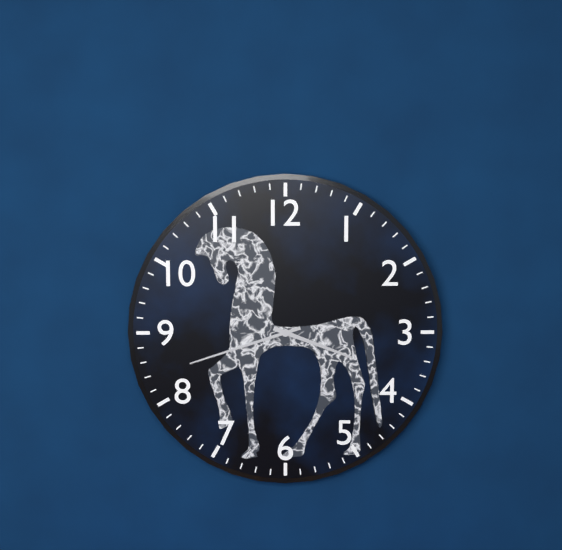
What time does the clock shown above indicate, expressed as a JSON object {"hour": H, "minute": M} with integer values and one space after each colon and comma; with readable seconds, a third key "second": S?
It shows {"hour": 3, "minute": 42}
